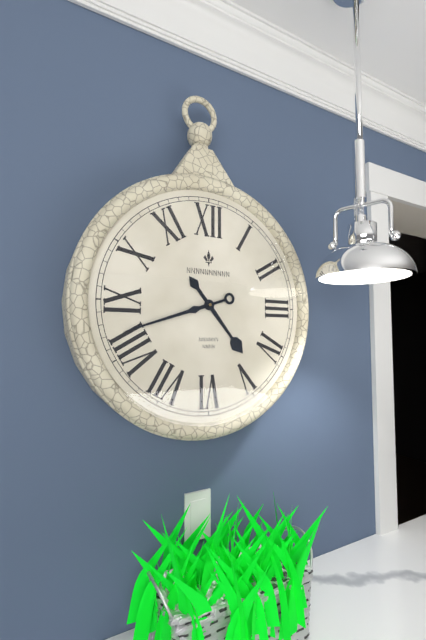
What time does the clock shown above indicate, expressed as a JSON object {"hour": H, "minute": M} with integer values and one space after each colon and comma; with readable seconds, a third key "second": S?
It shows {"hour": 4, "minute": 42}
